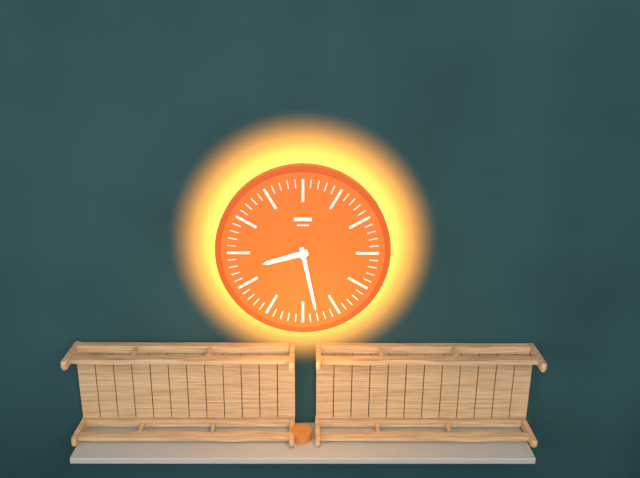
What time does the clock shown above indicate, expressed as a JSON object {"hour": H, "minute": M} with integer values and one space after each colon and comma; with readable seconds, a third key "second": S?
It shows {"hour": 8, "minute": 28}
